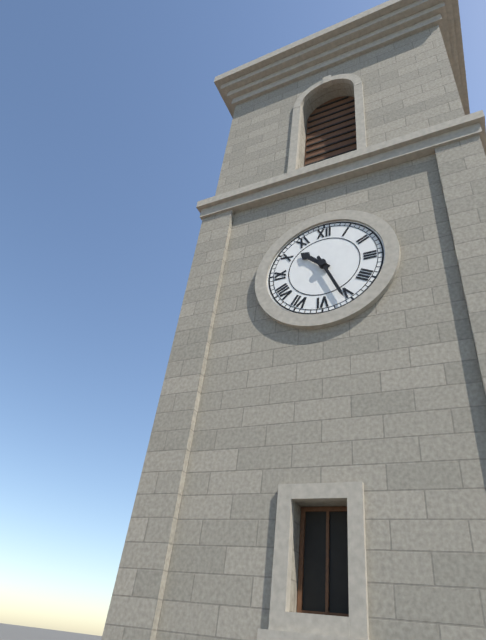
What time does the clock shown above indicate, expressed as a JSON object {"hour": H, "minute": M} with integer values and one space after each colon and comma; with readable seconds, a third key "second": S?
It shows {"hour": 10, "minute": 26}
